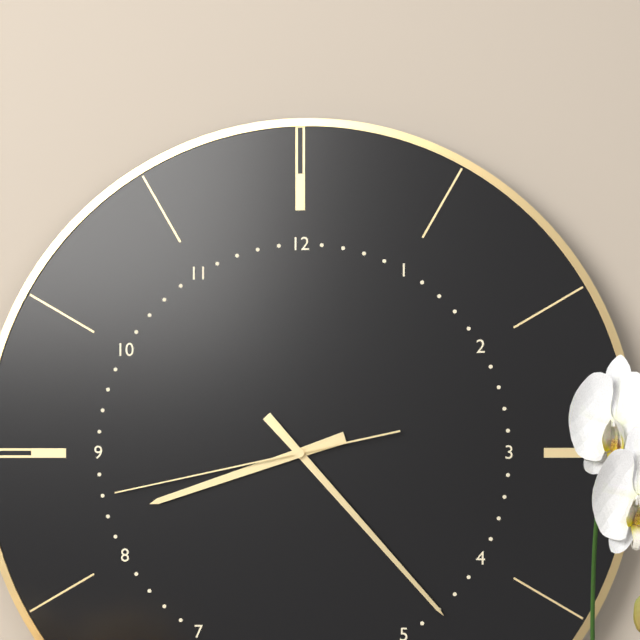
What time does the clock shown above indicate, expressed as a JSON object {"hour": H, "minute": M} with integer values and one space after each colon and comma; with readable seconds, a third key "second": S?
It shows {"hour": 8, "minute": 23, "second": 43}
